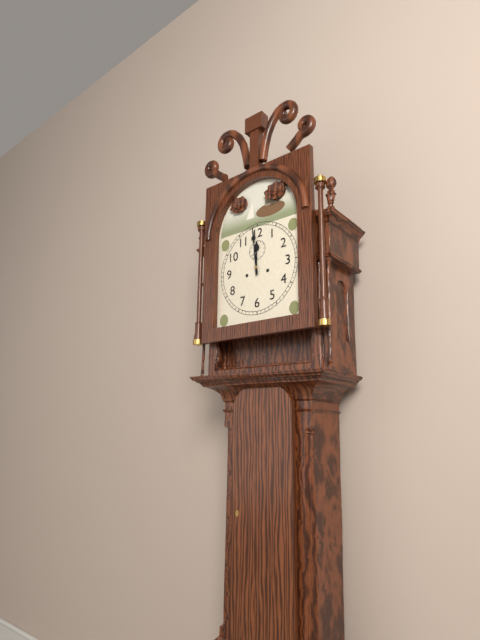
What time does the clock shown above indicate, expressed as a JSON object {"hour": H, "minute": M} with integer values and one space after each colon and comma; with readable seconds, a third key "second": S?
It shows {"hour": 11, "minute": 59}
